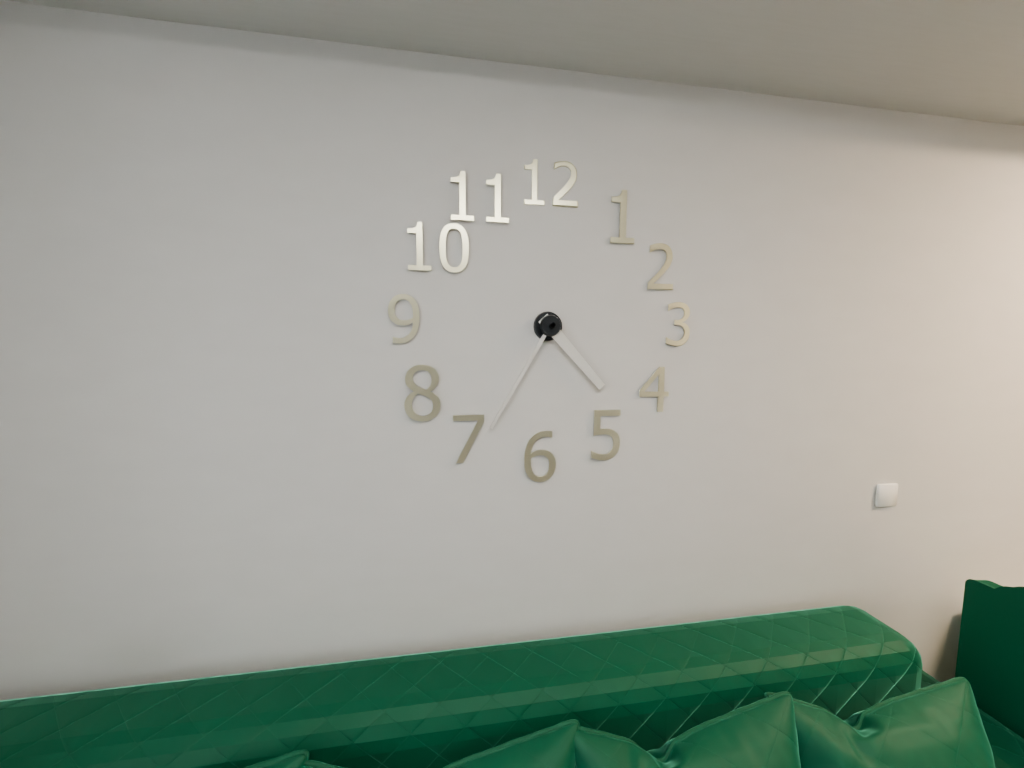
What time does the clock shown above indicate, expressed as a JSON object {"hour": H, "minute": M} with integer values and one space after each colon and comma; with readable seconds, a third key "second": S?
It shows {"hour": 4, "minute": 35}
